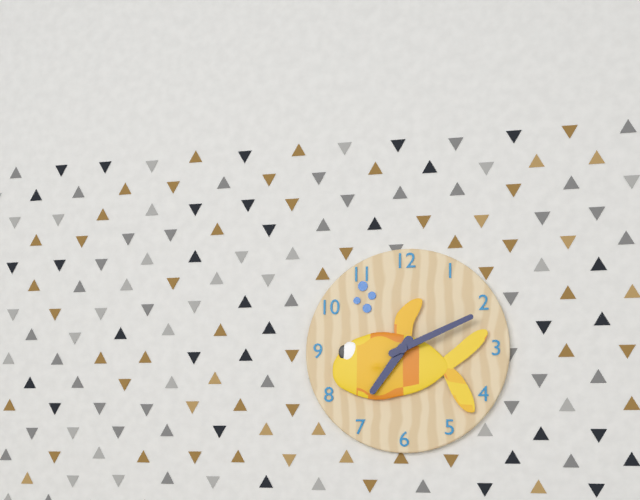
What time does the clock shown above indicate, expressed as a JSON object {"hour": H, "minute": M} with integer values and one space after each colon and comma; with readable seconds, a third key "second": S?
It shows {"hour": 7, "minute": 11}
